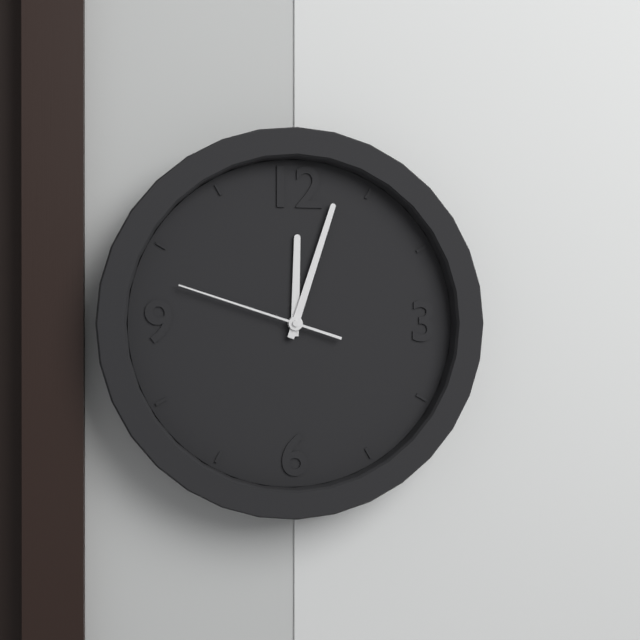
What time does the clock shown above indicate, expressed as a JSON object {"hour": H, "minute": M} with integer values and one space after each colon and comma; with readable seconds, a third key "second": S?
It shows {"hour": 12, "minute": 3, "second": 48}
